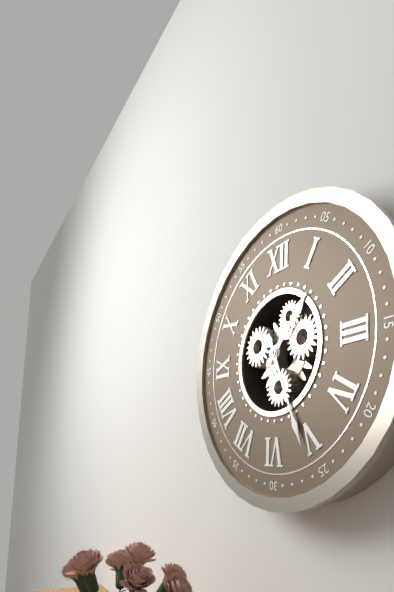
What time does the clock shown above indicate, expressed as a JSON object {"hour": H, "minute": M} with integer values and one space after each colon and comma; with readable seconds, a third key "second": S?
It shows {"hour": 1, "minute": 26}
